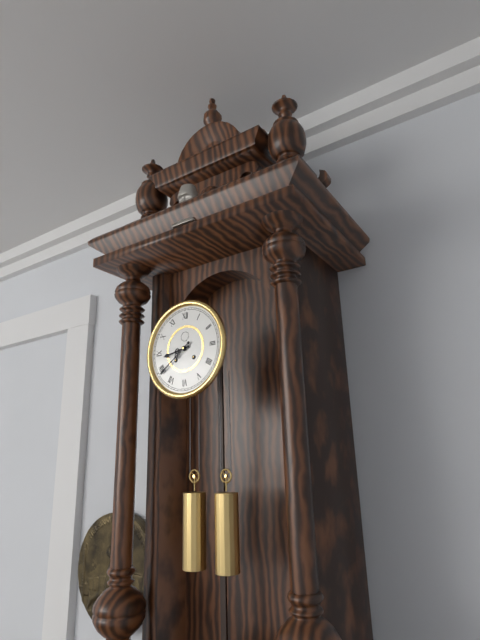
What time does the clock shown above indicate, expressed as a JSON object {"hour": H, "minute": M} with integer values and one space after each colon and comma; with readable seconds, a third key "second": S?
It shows {"hour": 8, "minute": 39}
